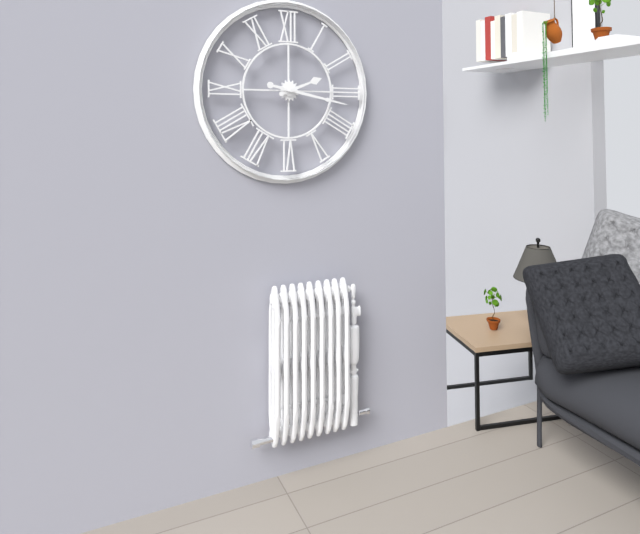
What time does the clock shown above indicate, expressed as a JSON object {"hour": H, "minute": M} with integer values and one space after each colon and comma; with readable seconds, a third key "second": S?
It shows {"hour": 2, "minute": 17}
